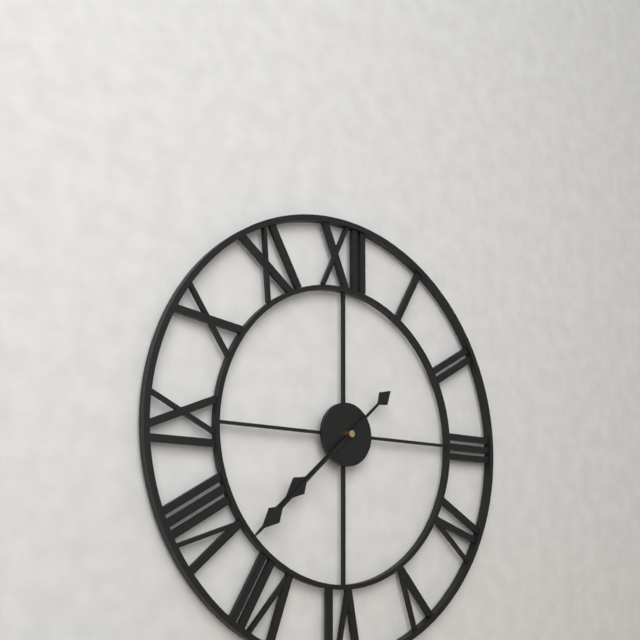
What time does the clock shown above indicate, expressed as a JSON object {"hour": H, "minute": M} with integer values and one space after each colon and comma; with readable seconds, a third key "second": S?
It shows {"hour": 7, "minute": 38}
